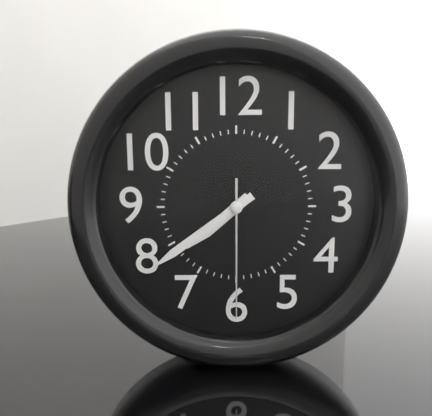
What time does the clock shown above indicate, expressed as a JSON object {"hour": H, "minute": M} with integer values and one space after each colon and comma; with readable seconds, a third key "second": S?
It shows {"hour": 7, "minute": 39, "second": 30}
